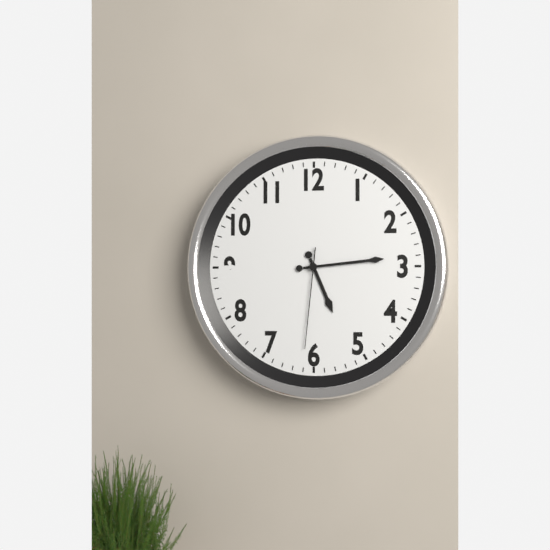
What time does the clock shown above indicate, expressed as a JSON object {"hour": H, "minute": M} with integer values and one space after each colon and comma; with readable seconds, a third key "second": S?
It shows {"hour": 5, "minute": 14, "second": 31}
